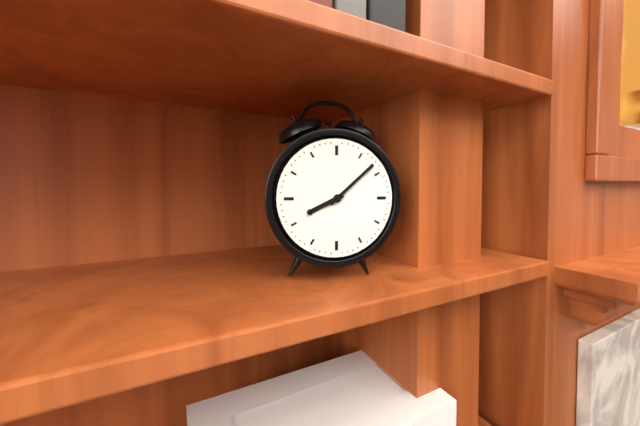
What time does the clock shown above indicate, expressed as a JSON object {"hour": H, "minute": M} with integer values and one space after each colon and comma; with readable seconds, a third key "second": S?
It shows {"hour": 8, "minute": 8}
